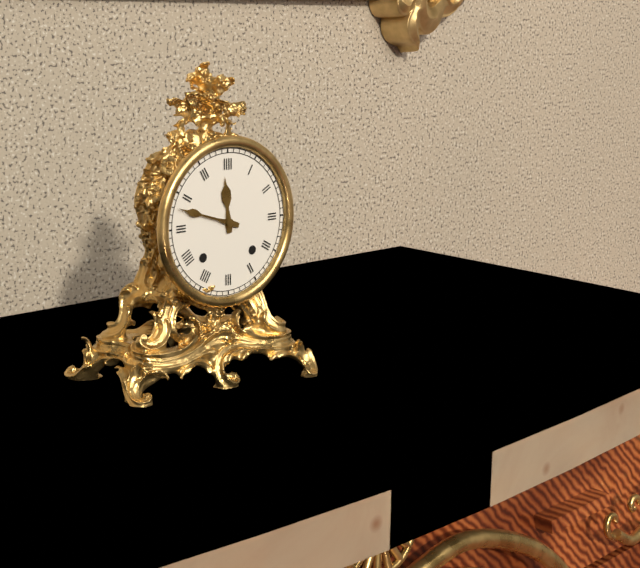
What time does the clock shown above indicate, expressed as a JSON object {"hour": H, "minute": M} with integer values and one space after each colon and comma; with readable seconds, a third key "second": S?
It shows {"hour": 11, "minute": 48}
